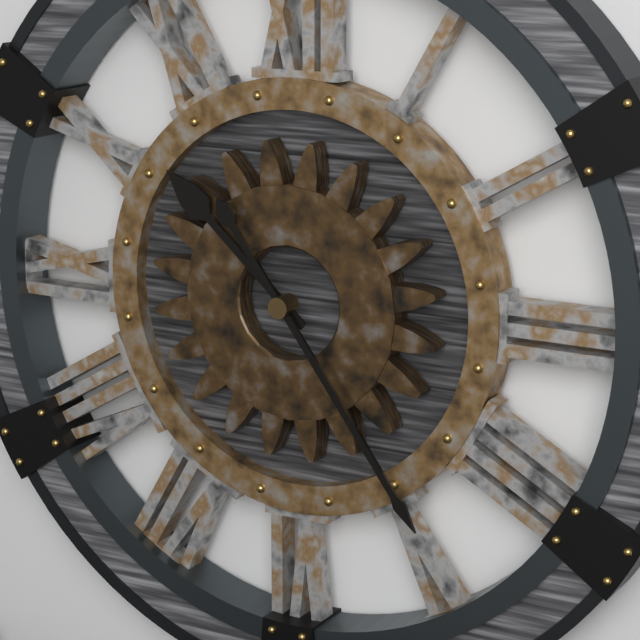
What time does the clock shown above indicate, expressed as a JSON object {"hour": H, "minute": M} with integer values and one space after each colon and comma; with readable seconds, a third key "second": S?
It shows {"hour": 10, "minute": 24}
